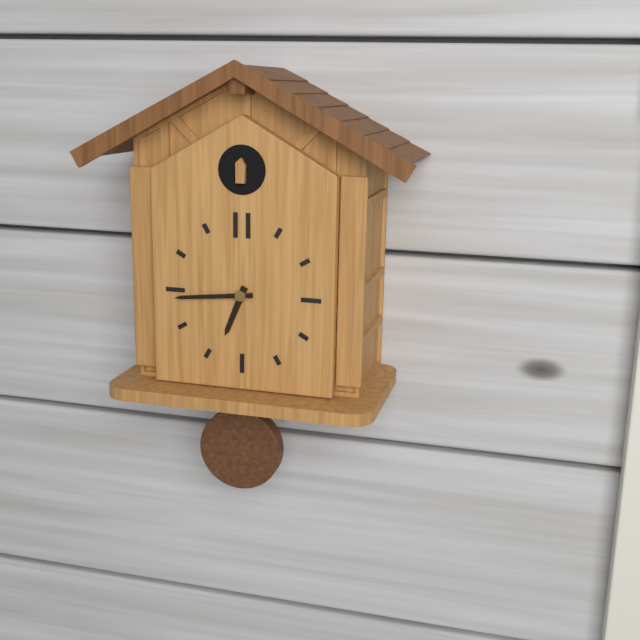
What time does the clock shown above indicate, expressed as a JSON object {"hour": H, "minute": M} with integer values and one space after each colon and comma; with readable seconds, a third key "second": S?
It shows {"hour": 6, "minute": 44}
